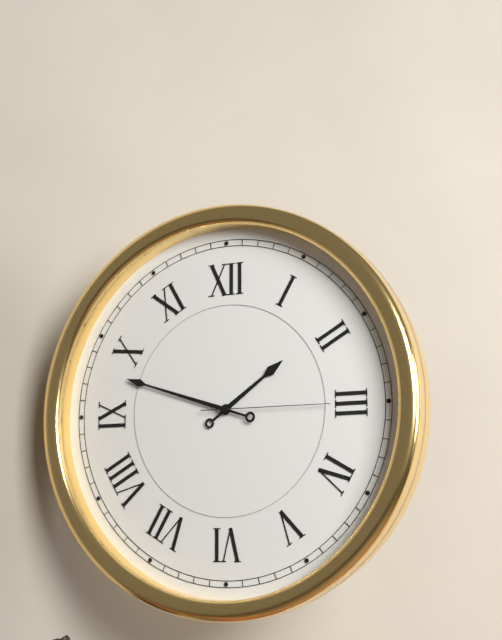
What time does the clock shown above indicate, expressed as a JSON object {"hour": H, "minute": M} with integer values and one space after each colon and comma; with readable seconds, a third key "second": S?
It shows {"hour": 1, "minute": 48, "second": 15}
